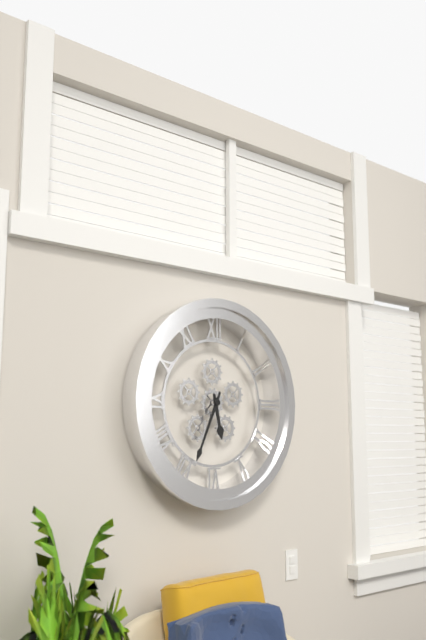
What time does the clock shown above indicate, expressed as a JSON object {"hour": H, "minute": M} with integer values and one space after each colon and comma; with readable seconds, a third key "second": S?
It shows {"hour": 5, "minute": 34}
